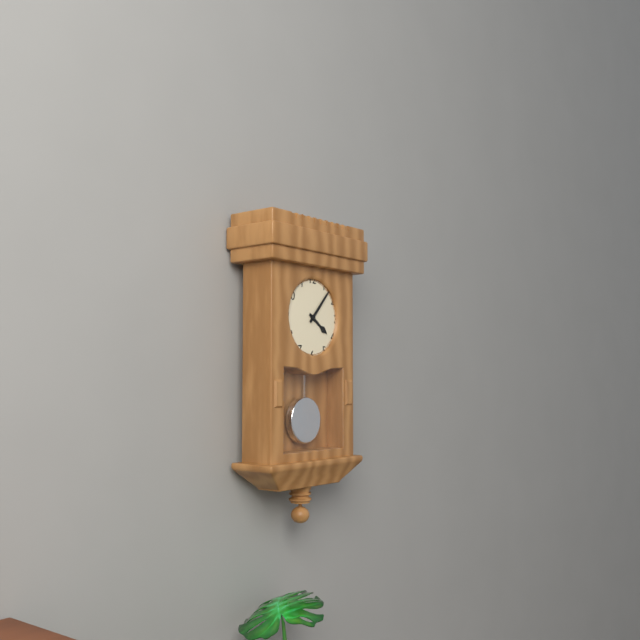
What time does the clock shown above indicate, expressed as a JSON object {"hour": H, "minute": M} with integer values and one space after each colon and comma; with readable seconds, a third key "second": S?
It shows {"hour": 4, "minute": 7}
